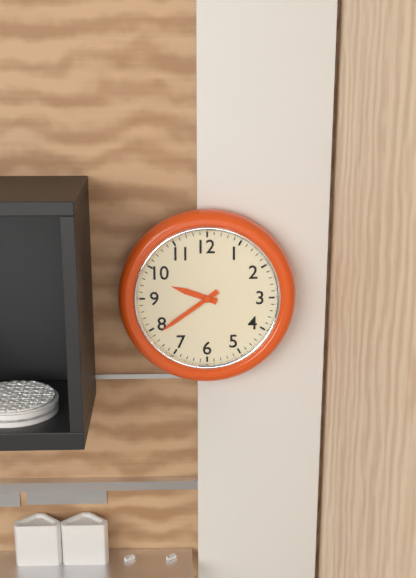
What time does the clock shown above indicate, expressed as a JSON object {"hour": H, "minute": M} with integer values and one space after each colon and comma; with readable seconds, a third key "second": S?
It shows {"hour": 9, "minute": 39}
